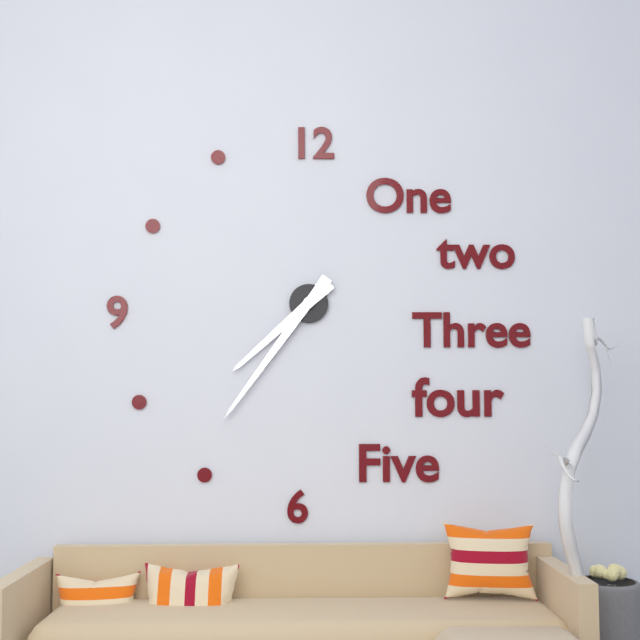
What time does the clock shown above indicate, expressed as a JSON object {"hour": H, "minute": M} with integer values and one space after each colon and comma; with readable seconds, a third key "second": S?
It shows {"hour": 7, "minute": 36}
